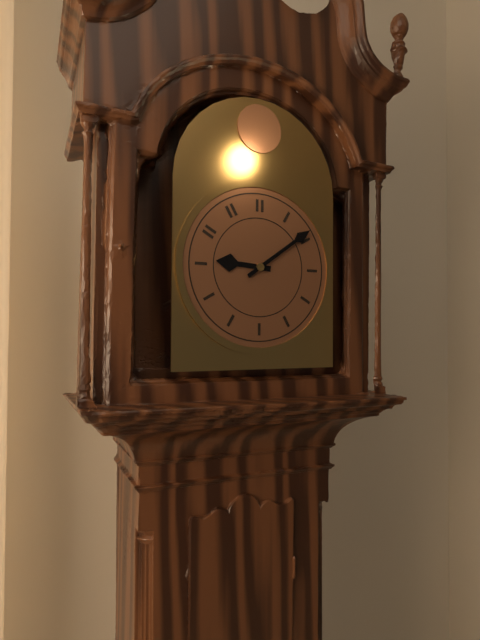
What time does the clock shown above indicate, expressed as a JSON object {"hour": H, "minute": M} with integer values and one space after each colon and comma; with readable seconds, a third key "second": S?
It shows {"hour": 9, "minute": 9}
